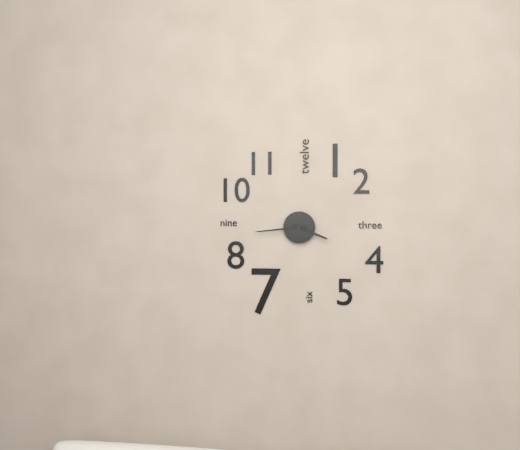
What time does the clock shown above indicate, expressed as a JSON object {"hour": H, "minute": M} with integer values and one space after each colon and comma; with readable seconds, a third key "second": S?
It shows {"hour": 3, "minute": 44}
